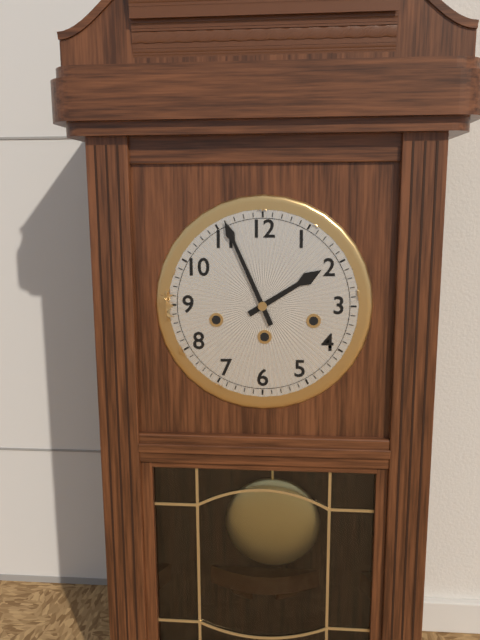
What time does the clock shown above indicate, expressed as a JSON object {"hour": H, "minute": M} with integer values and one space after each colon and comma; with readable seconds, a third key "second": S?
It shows {"hour": 1, "minute": 56}
